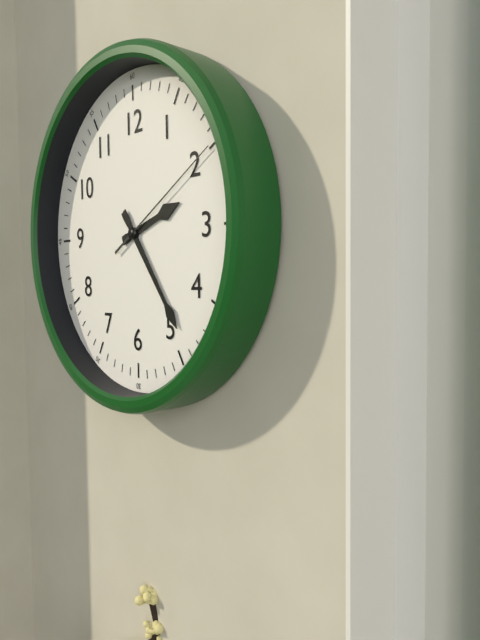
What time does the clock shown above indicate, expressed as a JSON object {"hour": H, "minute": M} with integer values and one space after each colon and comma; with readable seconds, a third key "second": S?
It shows {"hour": 2, "minute": 24, "second": 10}
